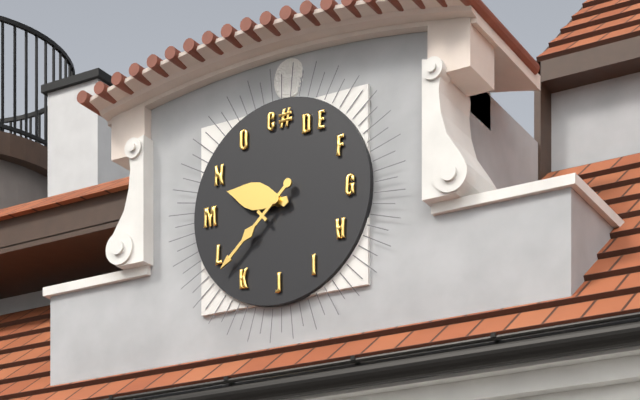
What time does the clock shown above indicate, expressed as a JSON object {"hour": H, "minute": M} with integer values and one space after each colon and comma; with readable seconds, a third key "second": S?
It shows {"hour": 9, "minute": 38}
